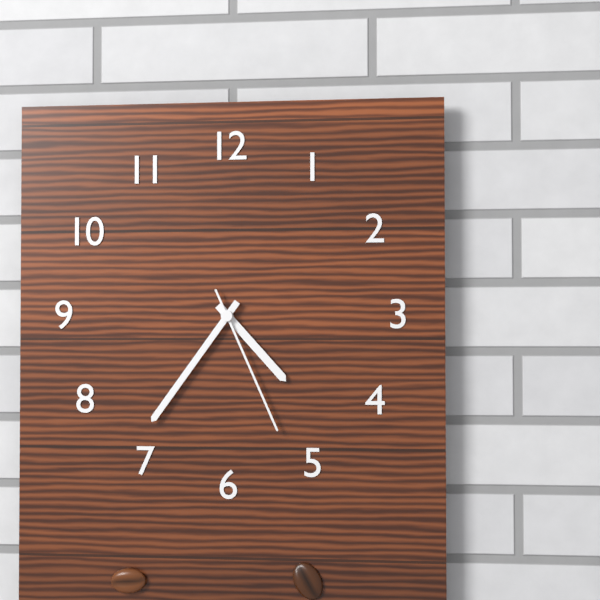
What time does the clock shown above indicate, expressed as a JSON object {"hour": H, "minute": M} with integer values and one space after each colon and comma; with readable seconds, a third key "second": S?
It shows {"hour": 4, "minute": 36, "second": 26}
